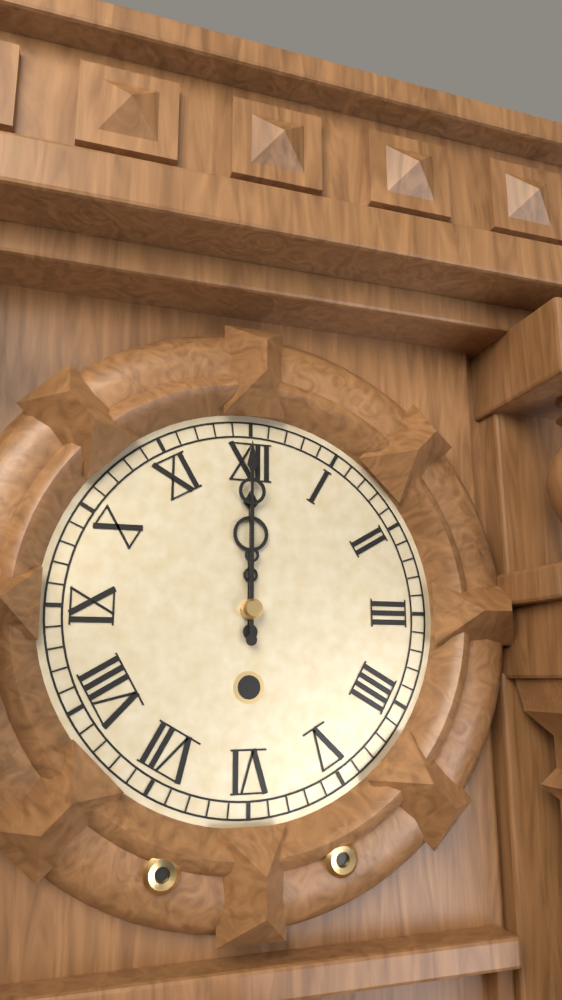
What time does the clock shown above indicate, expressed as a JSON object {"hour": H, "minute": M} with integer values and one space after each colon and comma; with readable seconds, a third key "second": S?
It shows {"hour": 12, "minute": 0}
